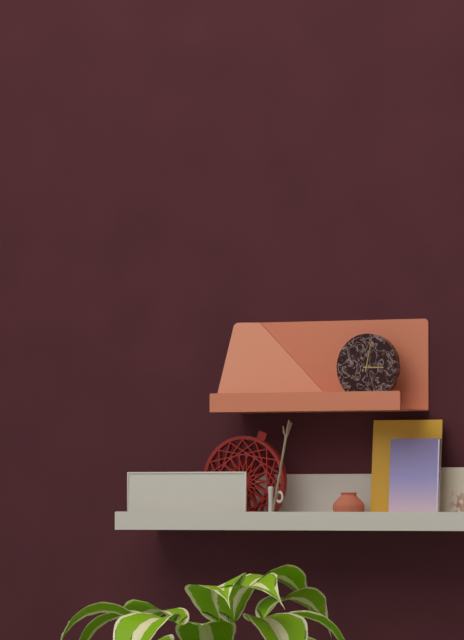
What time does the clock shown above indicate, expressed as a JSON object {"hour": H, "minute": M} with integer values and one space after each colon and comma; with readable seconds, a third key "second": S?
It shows {"hour": 3, "minute": 2}
